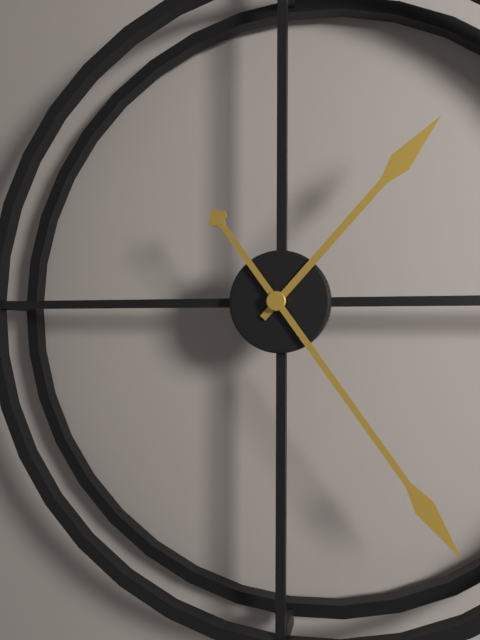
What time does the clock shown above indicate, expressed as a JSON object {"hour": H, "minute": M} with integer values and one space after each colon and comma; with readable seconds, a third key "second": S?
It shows {"hour": 1, "minute": 24}
